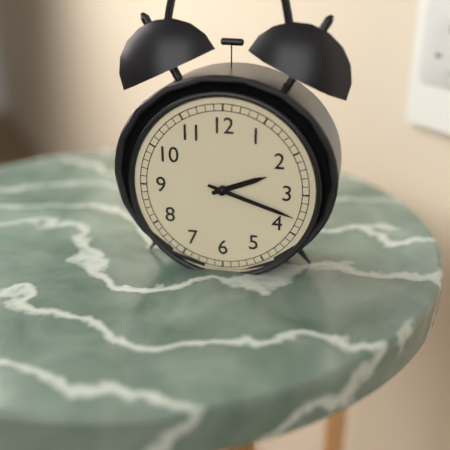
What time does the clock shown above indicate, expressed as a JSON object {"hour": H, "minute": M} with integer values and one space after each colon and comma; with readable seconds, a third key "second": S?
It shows {"hour": 2, "minute": 18}
